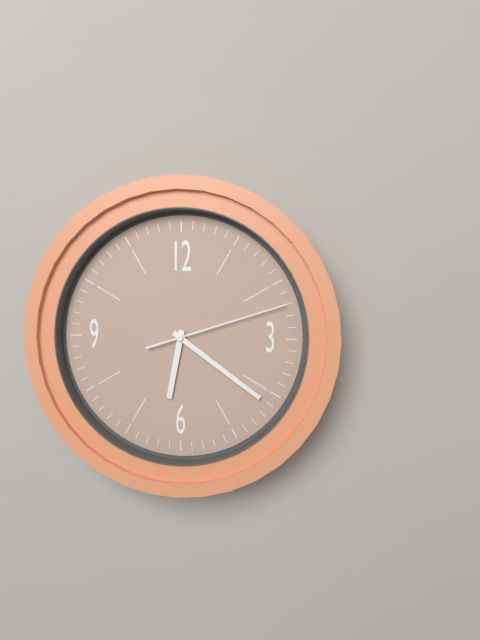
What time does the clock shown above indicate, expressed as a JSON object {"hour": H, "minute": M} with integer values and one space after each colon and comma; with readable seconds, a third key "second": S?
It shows {"hour": 6, "minute": 21, "second": 12}
